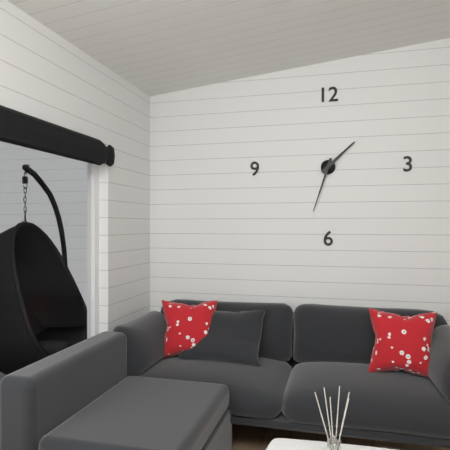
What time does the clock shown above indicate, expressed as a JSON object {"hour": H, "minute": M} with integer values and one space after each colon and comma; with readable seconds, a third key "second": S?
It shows {"hour": 1, "minute": 33}
